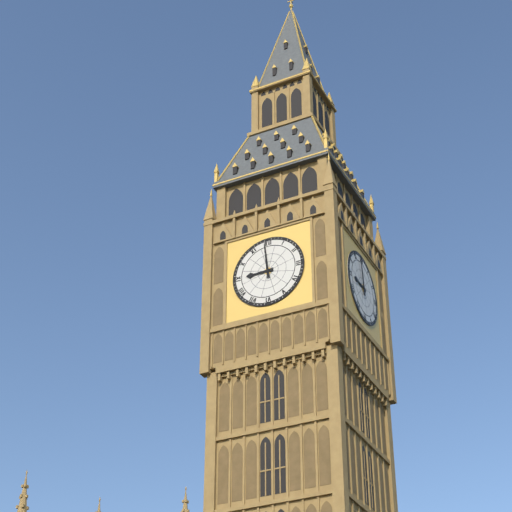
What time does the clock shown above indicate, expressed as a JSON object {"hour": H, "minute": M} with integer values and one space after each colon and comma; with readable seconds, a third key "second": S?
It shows {"hour": 8, "minute": 59}
